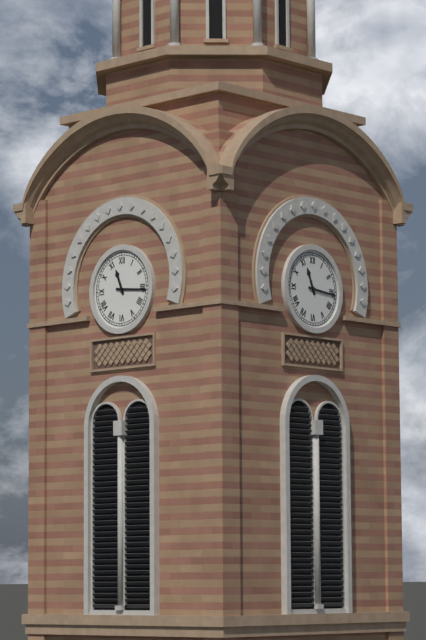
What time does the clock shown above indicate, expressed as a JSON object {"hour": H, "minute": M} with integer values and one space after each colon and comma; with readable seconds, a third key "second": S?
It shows {"hour": 11, "minute": 16}
